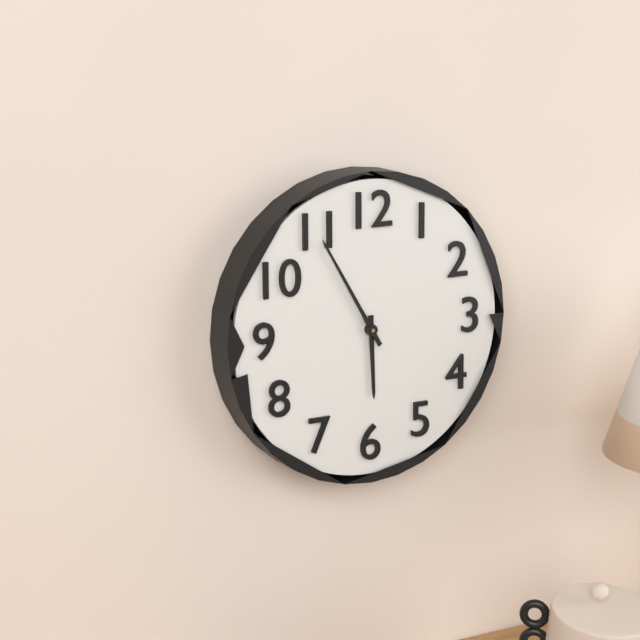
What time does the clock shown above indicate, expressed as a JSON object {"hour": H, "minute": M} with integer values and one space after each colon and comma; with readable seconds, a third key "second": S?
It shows {"hour": 5, "minute": 55}
